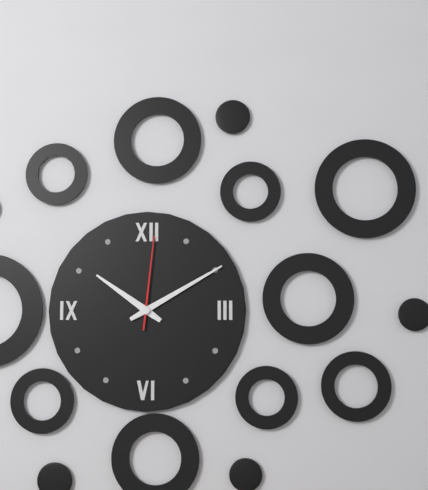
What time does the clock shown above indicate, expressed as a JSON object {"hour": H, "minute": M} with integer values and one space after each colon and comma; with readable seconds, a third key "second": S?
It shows {"hour": 10, "minute": 10, "second": 1}
